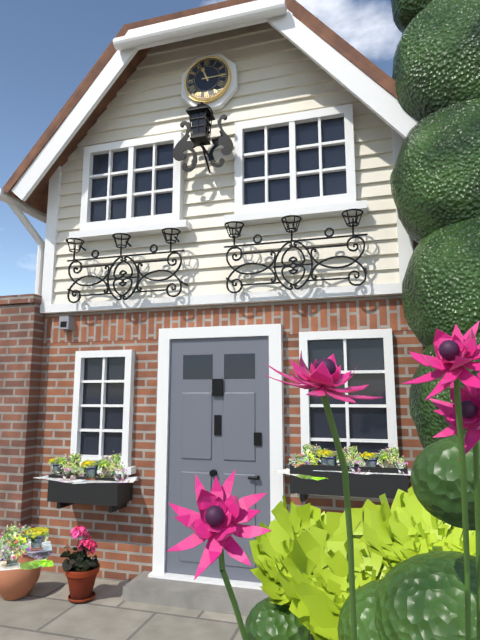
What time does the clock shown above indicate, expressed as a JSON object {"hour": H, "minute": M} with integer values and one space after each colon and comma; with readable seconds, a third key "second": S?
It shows {"hour": 11, "minute": 15}
